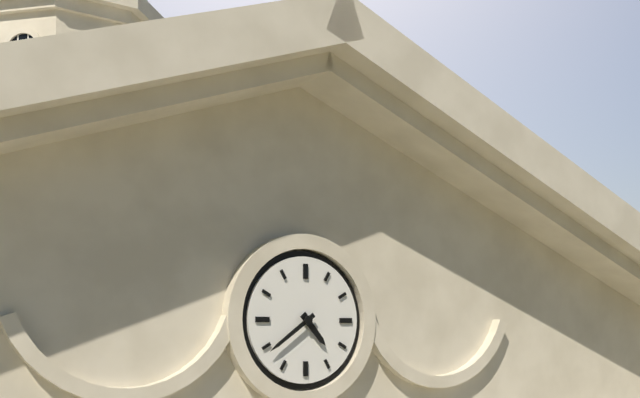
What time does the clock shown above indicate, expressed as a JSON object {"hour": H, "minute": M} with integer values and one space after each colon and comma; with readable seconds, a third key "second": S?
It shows {"hour": 4, "minute": 39}
